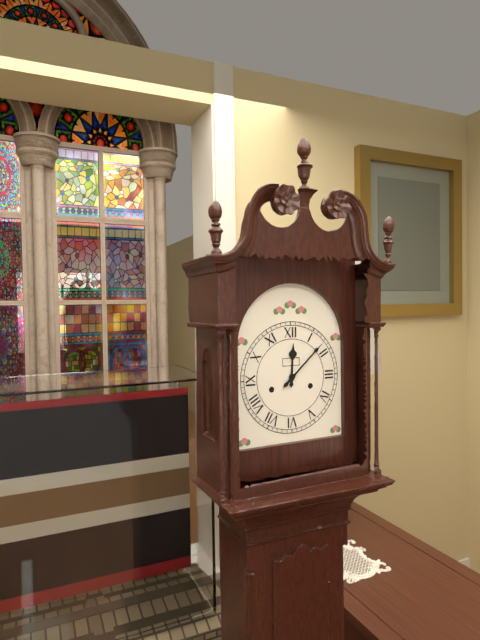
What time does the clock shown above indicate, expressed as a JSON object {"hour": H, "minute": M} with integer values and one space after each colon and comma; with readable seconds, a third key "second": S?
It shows {"hour": 12, "minute": 8}
